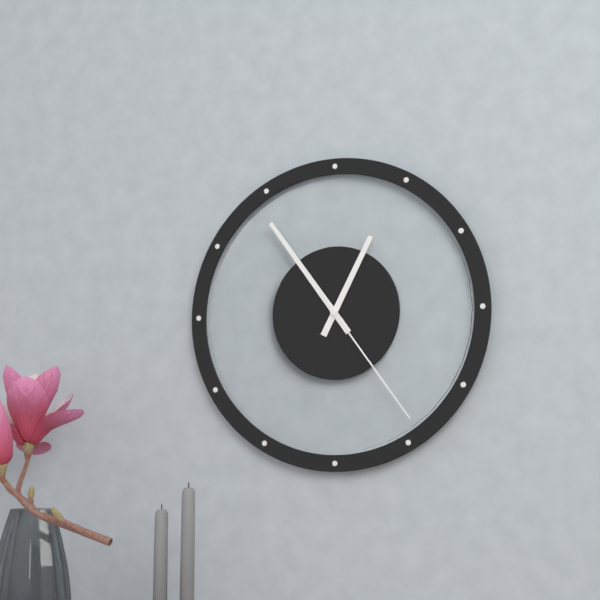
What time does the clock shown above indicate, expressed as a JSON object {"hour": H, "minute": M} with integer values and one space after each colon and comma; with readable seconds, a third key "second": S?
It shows {"hour": 12, "minute": 54, "second": 24}
